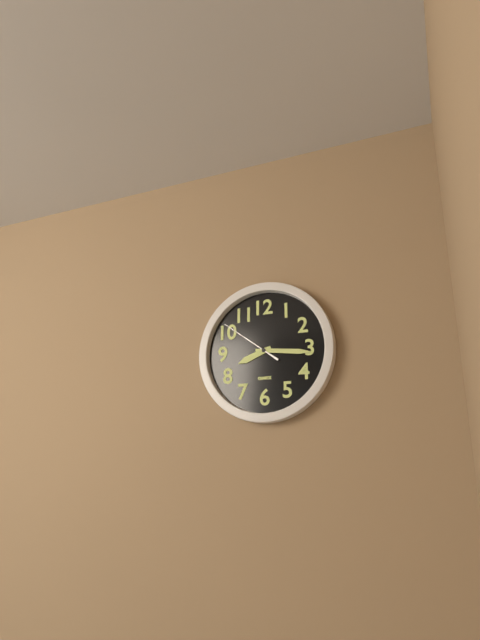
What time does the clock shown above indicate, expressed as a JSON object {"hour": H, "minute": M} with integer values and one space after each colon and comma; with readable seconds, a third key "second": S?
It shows {"hour": 8, "minute": 16, "second": 51}
